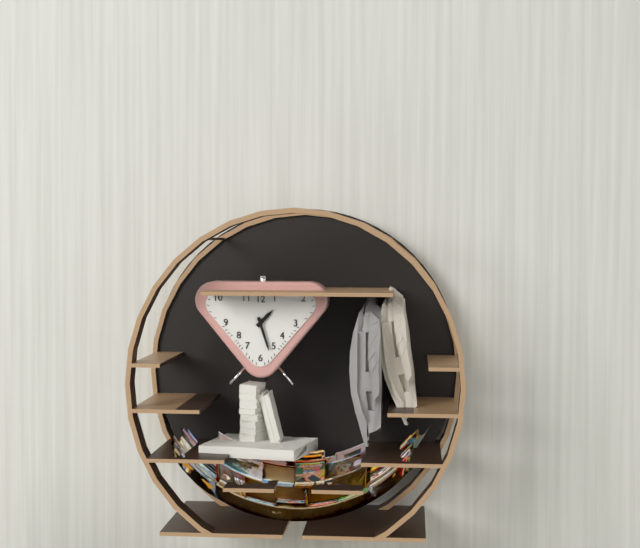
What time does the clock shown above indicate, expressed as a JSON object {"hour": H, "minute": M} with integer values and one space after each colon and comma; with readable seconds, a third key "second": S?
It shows {"hour": 1, "minute": 27}
